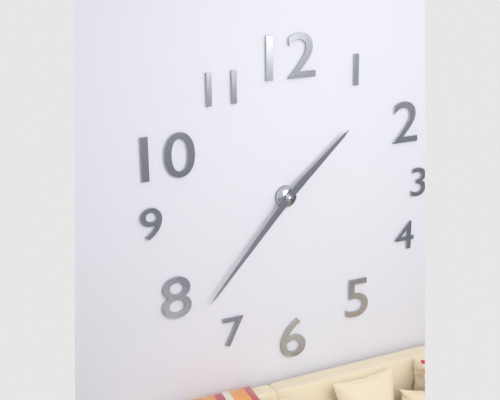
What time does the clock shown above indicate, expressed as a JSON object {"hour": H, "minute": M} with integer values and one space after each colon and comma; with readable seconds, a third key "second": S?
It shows {"hour": 1, "minute": 37}
